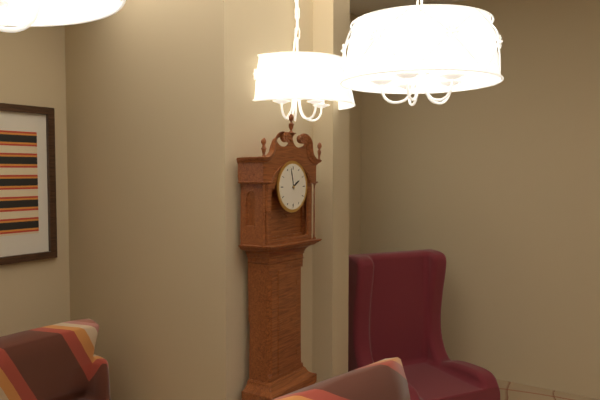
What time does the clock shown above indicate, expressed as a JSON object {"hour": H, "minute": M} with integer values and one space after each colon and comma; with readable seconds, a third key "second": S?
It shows {"hour": 1, "minute": 58}
